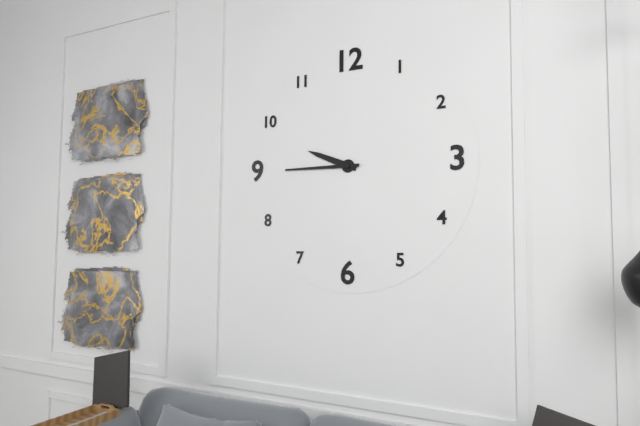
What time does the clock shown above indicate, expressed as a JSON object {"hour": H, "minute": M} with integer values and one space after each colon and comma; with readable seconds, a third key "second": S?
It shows {"hour": 9, "minute": 45}
